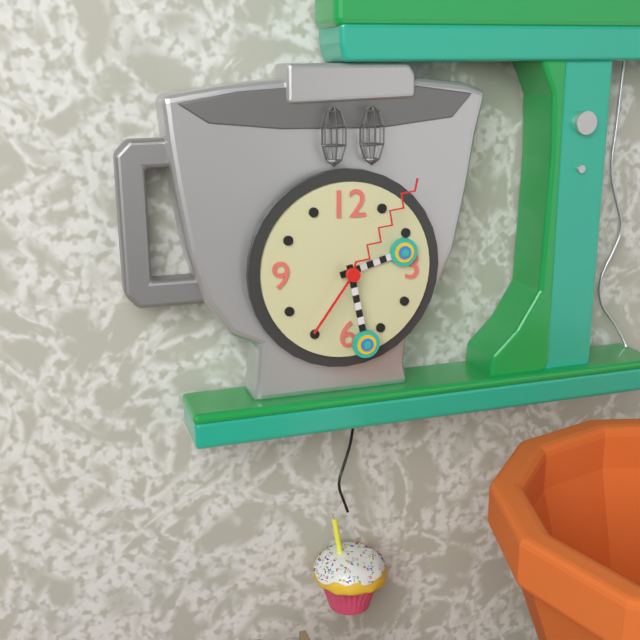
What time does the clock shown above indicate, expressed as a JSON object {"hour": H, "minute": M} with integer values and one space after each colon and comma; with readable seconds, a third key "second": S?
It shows {"hour": 2, "minute": 28, "second": 6}
